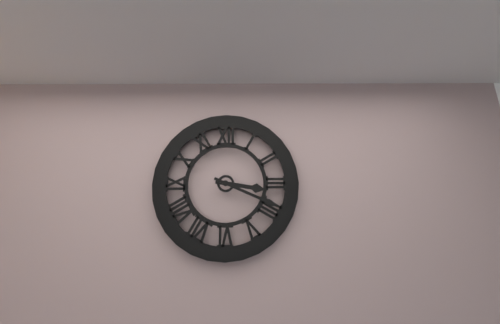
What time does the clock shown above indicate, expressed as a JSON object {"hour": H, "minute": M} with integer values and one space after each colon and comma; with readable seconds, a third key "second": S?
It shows {"hour": 3, "minute": 19}
